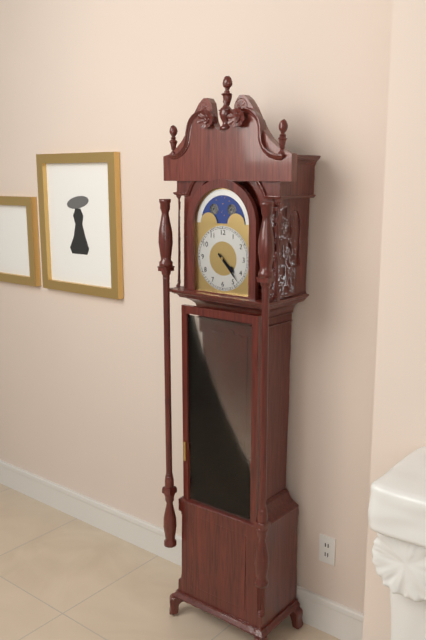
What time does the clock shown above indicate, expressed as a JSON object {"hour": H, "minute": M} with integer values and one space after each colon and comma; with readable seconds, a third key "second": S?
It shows {"hour": 4, "minute": 23}
